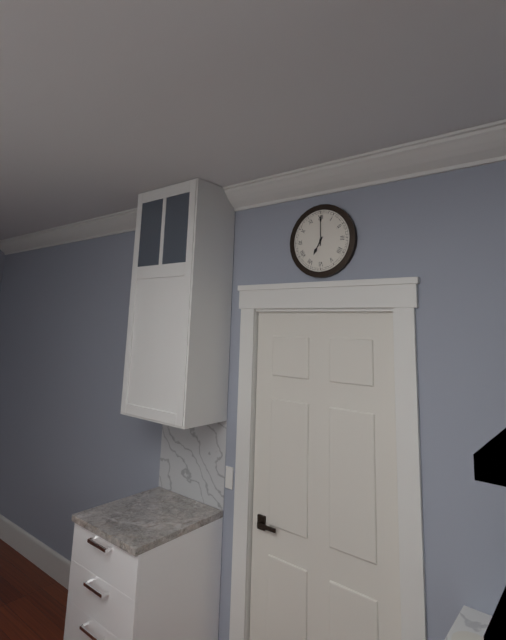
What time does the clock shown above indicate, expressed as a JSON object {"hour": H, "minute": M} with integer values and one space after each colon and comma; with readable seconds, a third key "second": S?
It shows {"hour": 7, "minute": 0}
